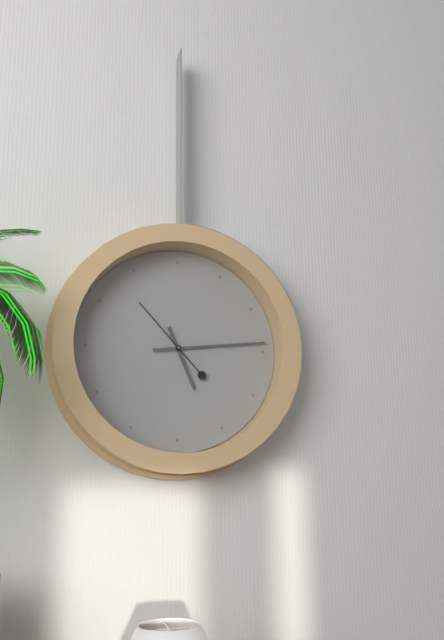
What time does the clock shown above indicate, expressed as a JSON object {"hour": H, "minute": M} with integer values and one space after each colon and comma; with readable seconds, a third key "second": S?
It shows {"hour": 5, "minute": 14, "second": 53}
